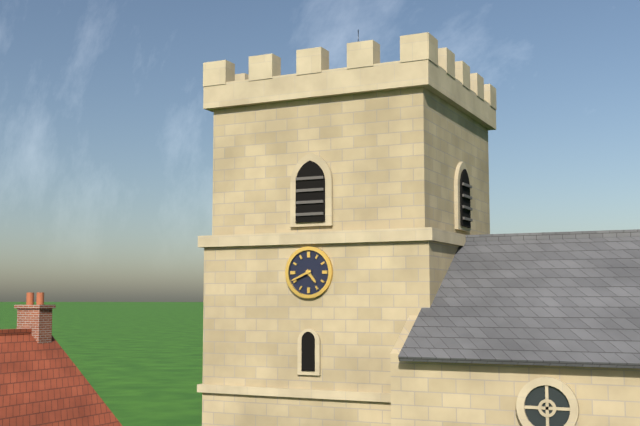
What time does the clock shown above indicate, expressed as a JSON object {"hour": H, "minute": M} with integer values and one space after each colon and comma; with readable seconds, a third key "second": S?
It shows {"hour": 4, "minute": 41}
